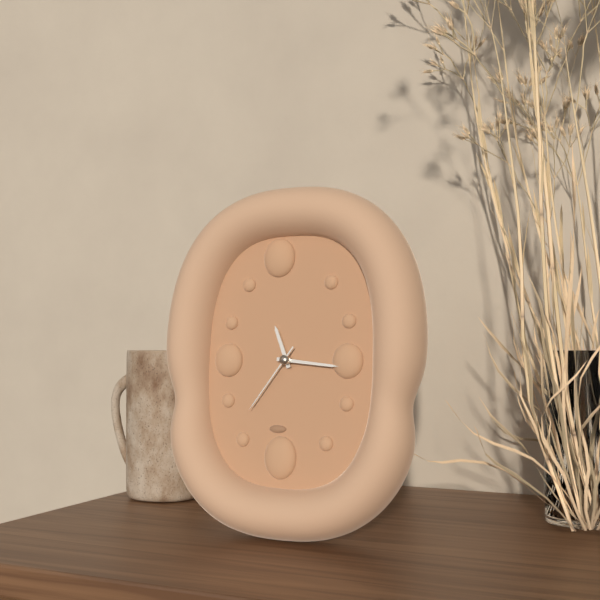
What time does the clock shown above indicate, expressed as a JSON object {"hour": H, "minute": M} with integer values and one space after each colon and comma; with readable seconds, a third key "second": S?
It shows {"hour": 11, "minute": 16, "second": 36}
